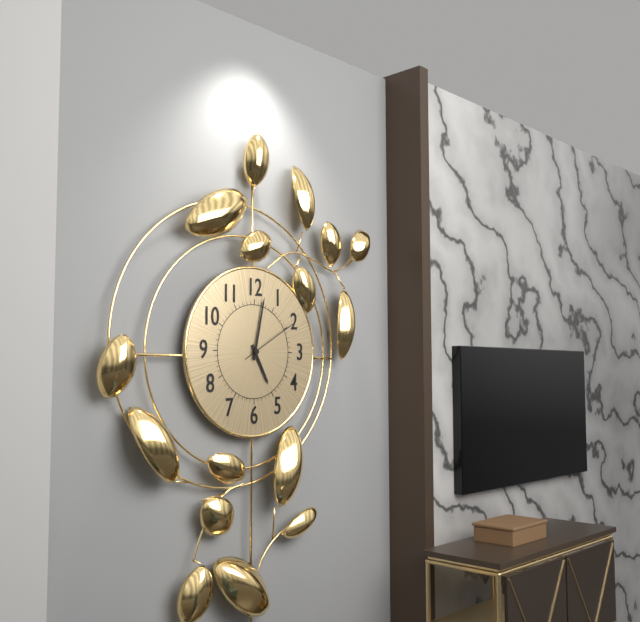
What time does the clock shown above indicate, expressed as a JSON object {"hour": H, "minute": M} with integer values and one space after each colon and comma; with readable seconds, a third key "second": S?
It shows {"hour": 5, "minute": 2, "second": 10}
